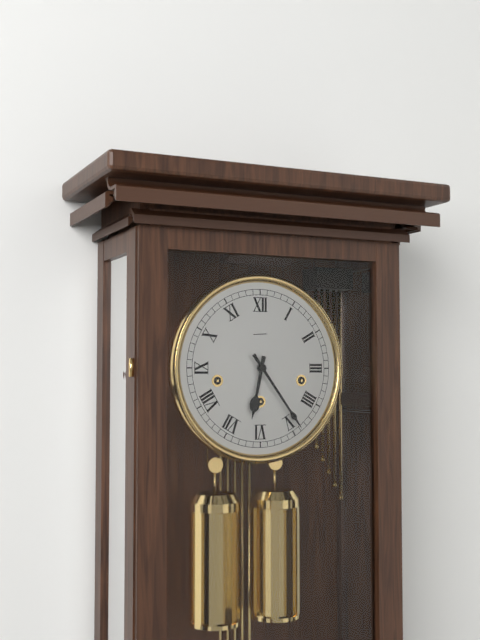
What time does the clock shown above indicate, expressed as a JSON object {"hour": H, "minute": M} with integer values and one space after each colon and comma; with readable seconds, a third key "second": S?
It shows {"hour": 6, "minute": 24}
